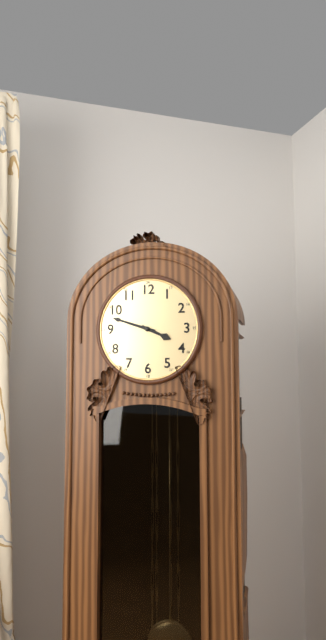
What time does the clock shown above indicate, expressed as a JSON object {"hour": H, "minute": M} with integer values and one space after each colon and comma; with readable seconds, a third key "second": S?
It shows {"hour": 3, "minute": 48}
